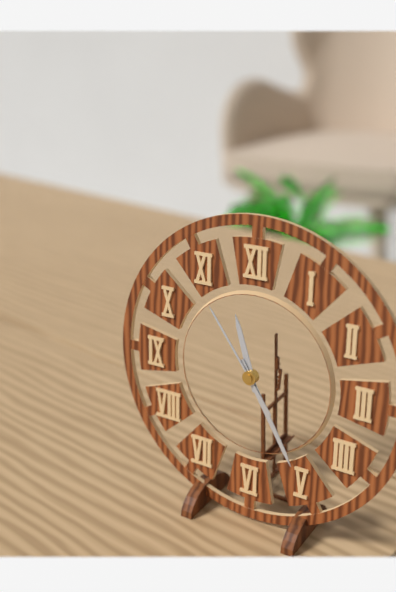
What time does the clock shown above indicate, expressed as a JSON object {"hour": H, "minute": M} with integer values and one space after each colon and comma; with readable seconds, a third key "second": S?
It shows {"hour": 11, "minute": 25, "second": 54}
